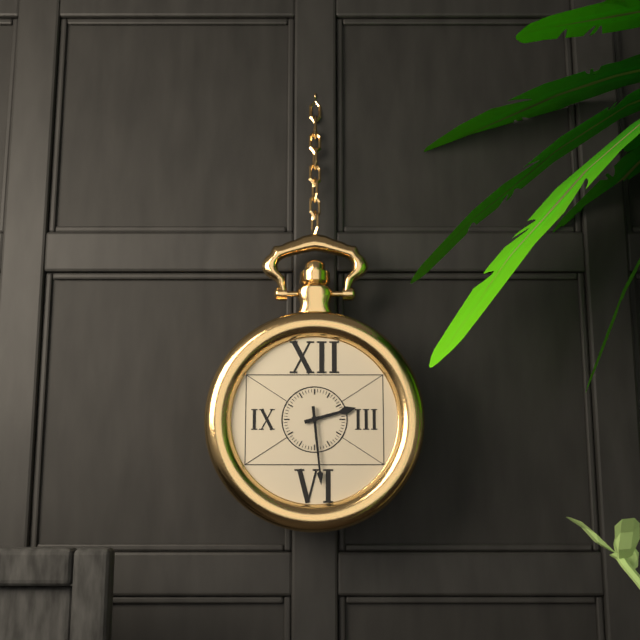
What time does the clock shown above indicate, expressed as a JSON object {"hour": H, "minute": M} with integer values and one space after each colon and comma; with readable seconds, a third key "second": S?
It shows {"hour": 2, "minute": 29}
